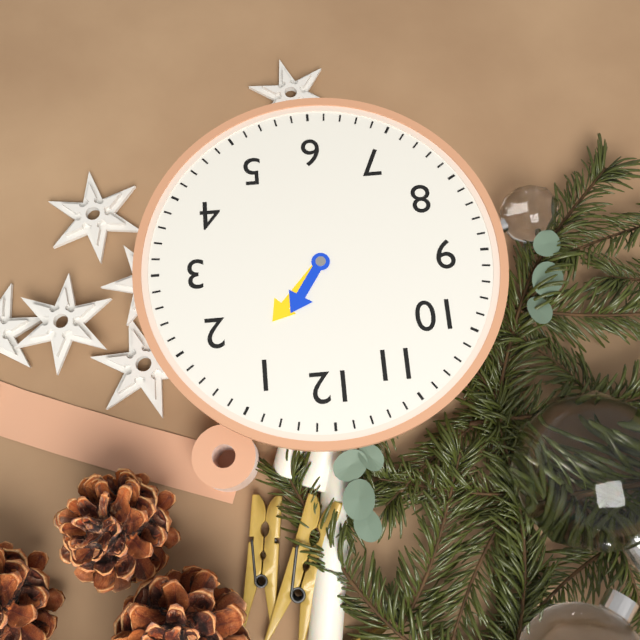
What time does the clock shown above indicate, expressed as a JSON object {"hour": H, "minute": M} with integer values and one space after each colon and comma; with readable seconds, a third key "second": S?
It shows {"hour": 1, "minute": 7}
